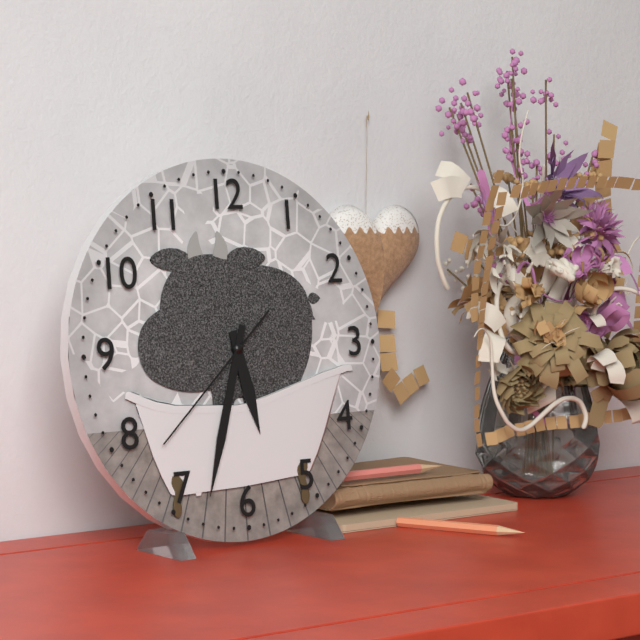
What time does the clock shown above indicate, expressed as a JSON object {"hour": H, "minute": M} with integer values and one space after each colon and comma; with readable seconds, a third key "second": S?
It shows {"hour": 5, "minute": 33, "second": 38}
